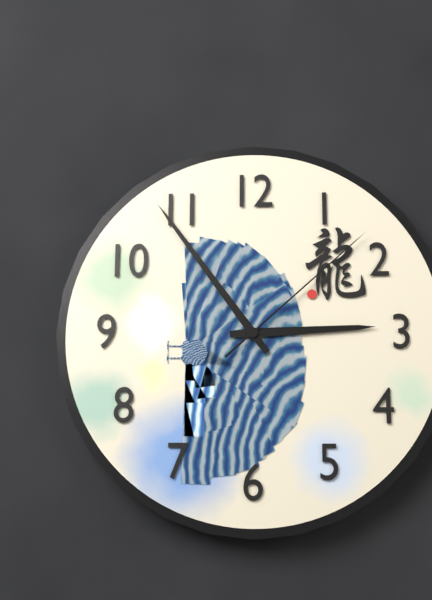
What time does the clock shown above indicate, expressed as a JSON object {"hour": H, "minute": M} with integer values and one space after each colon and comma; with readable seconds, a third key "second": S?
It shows {"hour": 2, "minute": 54, "second": 8}
